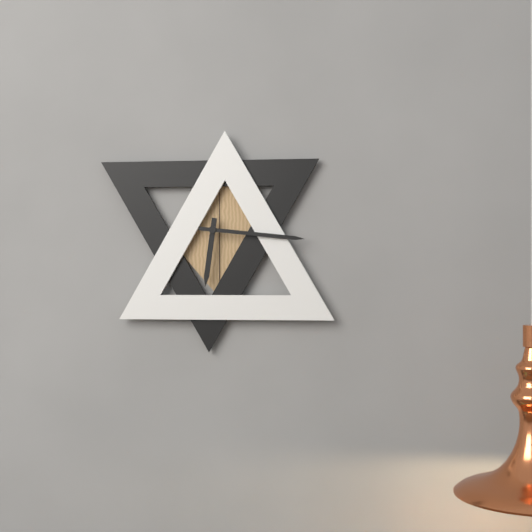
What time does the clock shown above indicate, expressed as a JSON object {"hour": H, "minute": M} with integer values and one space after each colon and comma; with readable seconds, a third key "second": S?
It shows {"hour": 6, "minute": 16}
